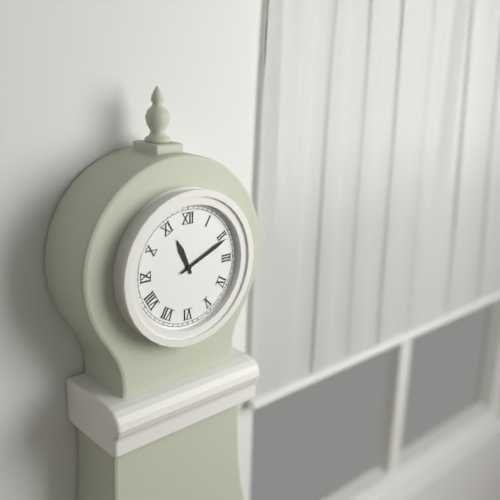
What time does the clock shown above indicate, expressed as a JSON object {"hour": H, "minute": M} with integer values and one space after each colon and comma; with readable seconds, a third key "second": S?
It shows {"hour": 11, "minute": 11}
